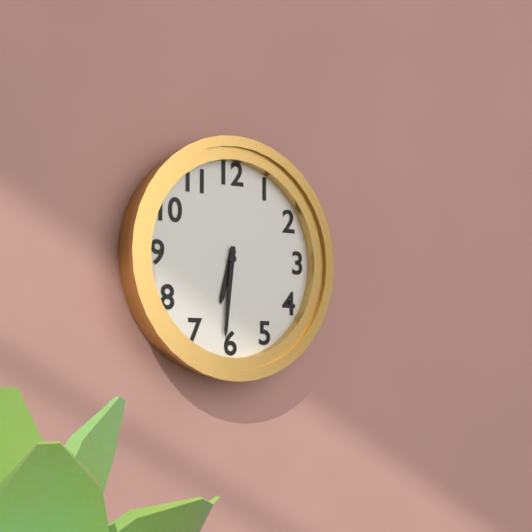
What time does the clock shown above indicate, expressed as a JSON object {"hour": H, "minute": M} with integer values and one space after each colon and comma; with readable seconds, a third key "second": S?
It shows {"hour": 6, "minute": 31}
